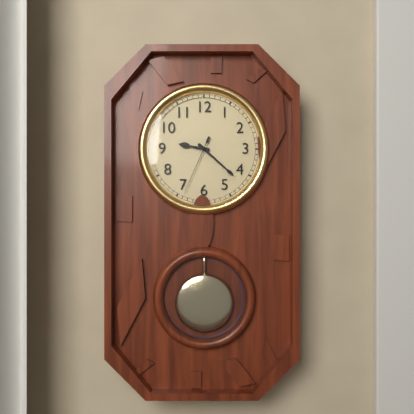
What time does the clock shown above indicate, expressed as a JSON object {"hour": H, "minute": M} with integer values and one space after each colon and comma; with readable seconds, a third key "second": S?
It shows {"hour": 9, "minute": 22, "second": 34}
